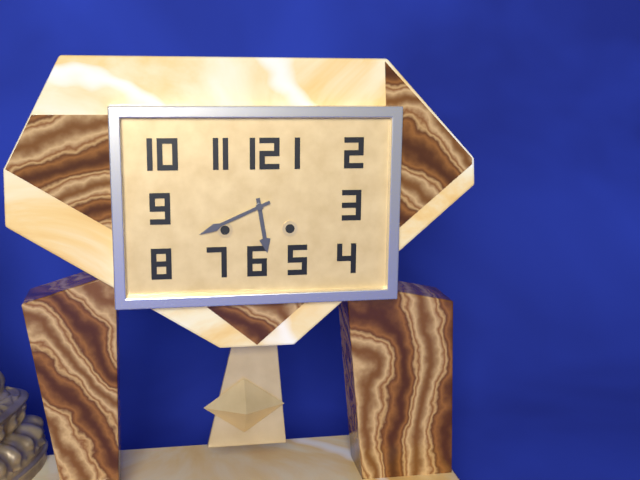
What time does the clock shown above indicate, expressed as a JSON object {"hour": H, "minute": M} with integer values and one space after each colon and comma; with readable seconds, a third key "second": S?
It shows {"hour": 5, "minute": 41}
